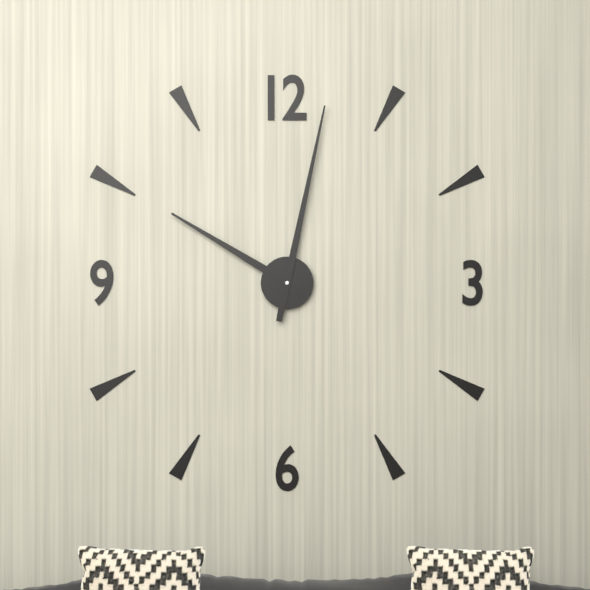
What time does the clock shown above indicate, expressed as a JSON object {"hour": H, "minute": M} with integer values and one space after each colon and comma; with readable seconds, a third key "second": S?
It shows {"hour": 10, "minute": 2}
